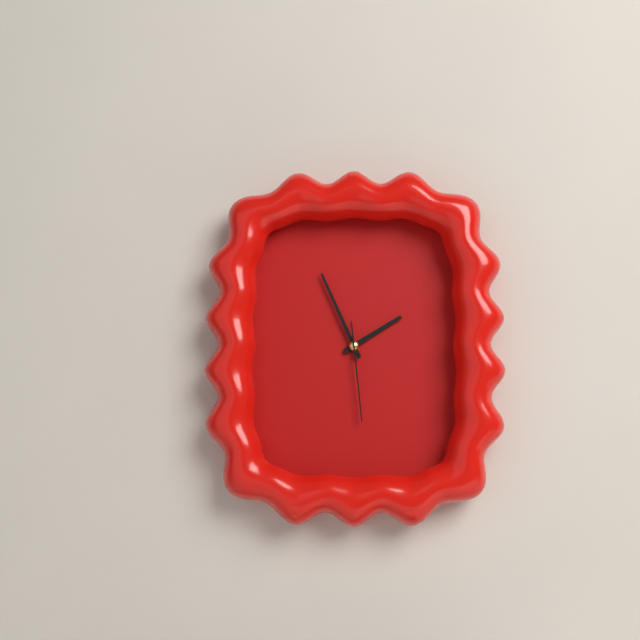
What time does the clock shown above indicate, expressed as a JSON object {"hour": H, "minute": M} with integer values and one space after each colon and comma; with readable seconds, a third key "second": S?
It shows {"hour": 1, "minute": 56, "second": 29}
